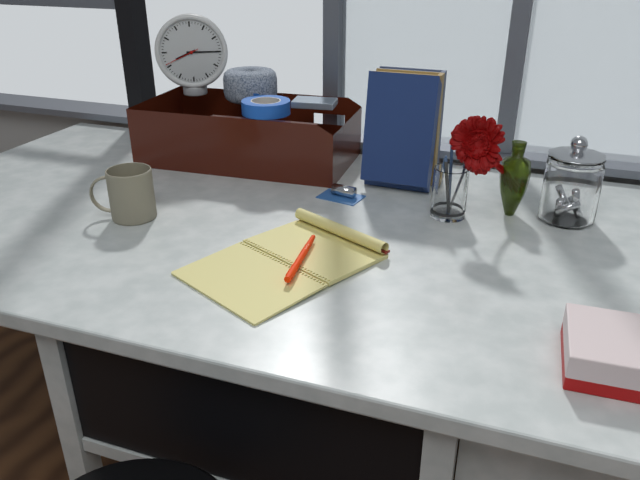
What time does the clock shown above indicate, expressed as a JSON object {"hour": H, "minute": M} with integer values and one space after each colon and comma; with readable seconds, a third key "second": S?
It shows {"hour": 8, "minute": 15}
